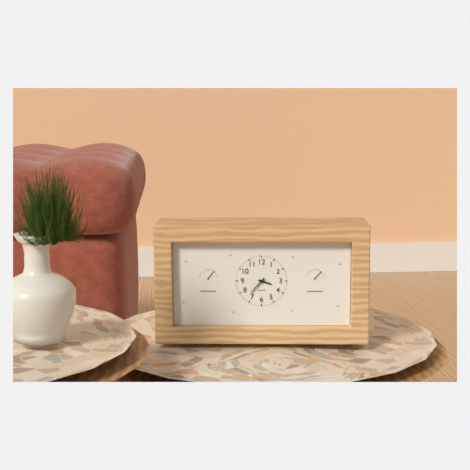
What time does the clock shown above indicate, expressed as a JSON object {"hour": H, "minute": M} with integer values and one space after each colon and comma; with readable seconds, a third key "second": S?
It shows {"hour": 3, "minute": 37}
